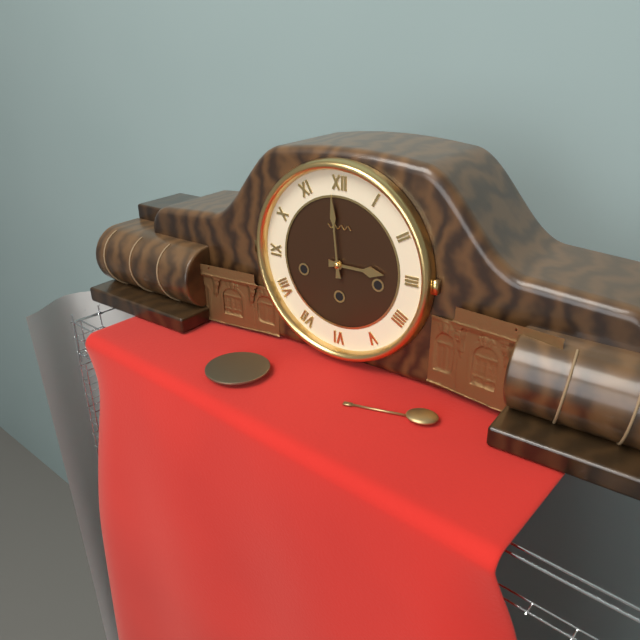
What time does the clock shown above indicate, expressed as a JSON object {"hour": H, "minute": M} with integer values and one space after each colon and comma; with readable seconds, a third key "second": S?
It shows {"hour": 2, "minute": 59}
